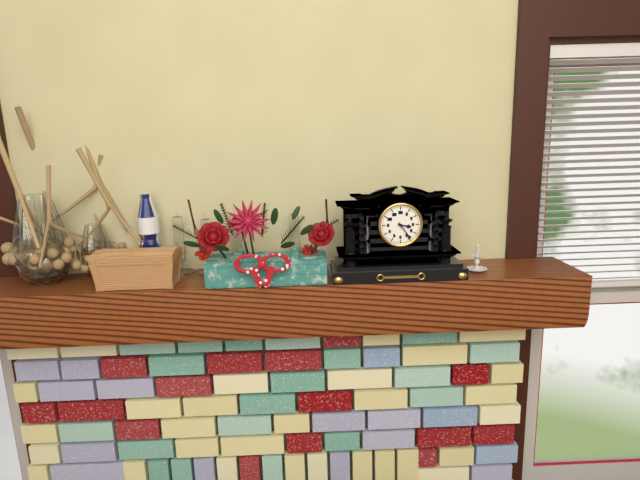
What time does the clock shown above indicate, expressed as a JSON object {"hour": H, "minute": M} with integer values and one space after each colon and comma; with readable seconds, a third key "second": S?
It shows {"hour": 3, "minute": 24}
